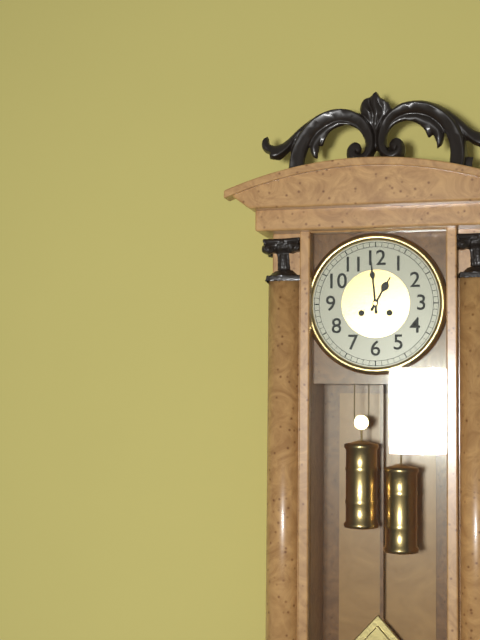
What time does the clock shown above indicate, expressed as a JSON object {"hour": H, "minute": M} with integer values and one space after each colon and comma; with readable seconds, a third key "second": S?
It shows {"hour": 12, "minute": 59}
